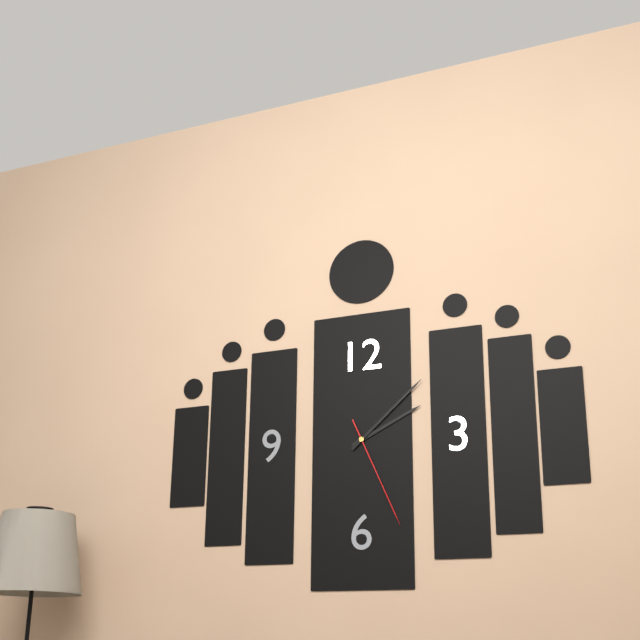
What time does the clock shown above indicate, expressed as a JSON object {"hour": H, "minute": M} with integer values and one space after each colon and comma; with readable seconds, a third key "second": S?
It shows {"hour": 2, "minute": 8, "second": 26}
